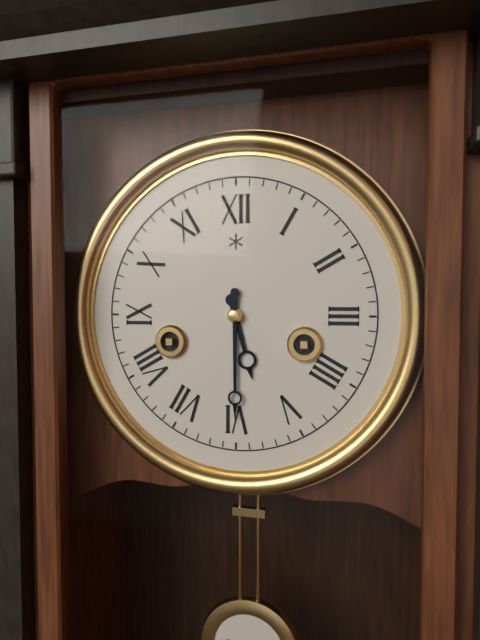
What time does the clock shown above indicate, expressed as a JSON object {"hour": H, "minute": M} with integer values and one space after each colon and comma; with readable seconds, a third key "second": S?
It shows {"hour": 5, "minute": 30}
